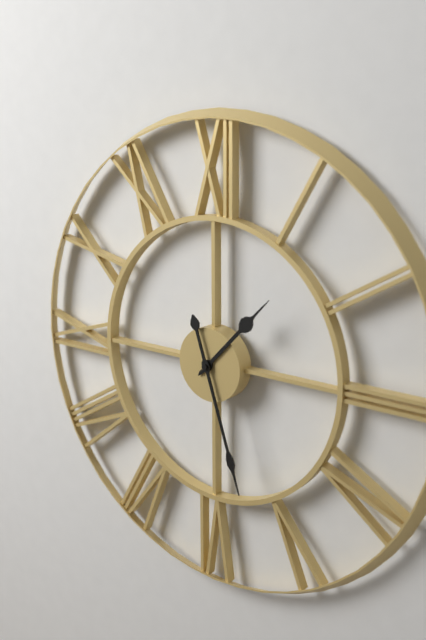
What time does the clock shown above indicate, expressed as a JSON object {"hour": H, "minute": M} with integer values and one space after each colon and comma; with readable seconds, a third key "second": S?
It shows {"hour": 1, "minute": 27}
